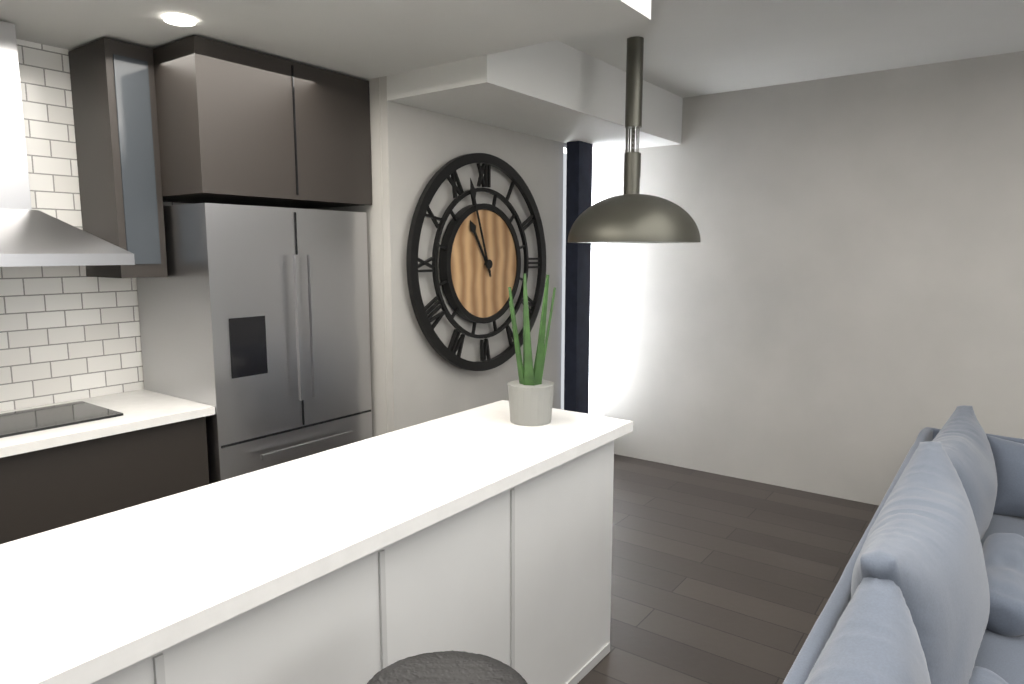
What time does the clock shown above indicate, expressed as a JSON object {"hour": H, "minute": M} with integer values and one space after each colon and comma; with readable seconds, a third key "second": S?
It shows {"hour": 10, "minute": 57}
